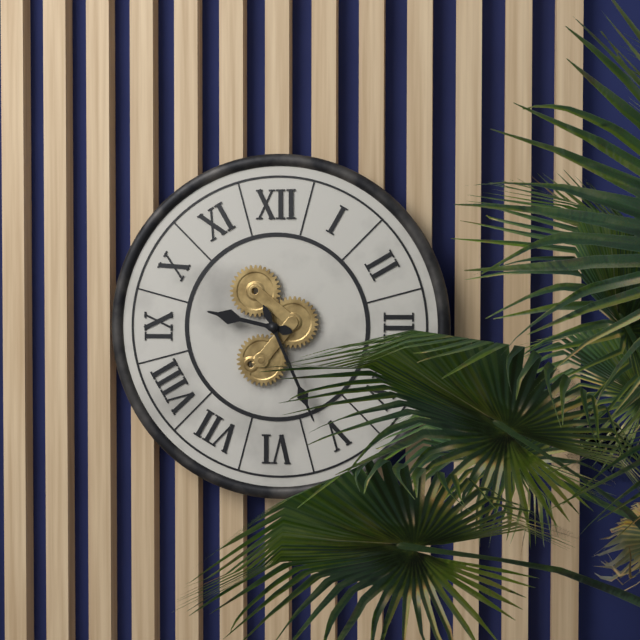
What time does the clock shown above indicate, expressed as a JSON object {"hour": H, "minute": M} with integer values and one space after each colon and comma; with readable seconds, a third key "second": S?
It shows {"hour": 9, "minute": 26}
